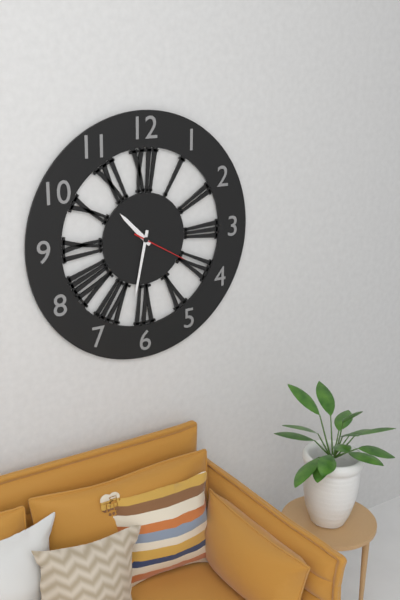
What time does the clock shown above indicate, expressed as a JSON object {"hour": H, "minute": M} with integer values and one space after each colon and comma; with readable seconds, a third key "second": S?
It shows {"hour": 10, "minute": 32, "second": 20}
